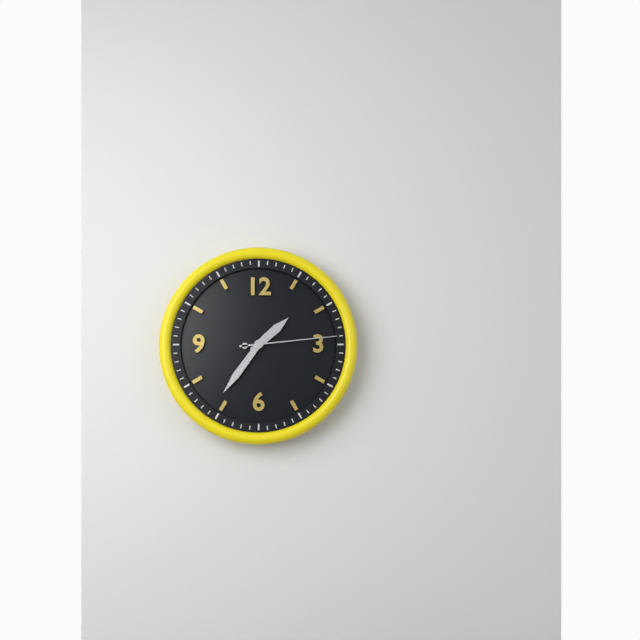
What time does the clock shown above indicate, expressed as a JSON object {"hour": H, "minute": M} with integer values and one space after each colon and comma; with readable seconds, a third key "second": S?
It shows {"hour": 1, "minute": 36, "second": 14}
